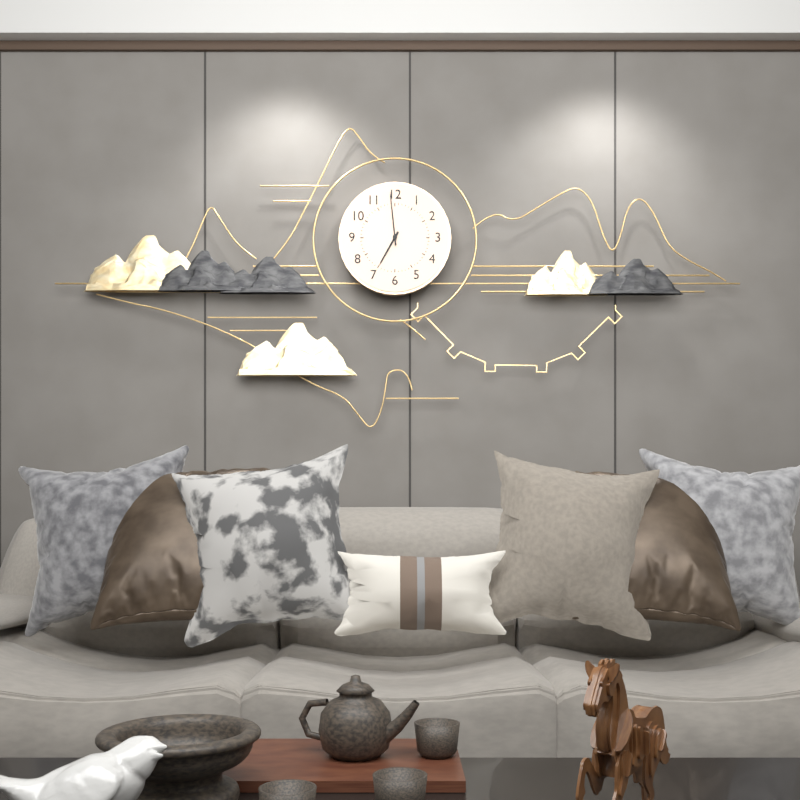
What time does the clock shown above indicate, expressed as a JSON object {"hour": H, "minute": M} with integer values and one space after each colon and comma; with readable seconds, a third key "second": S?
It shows {"hour": 6, "minute": 59}
